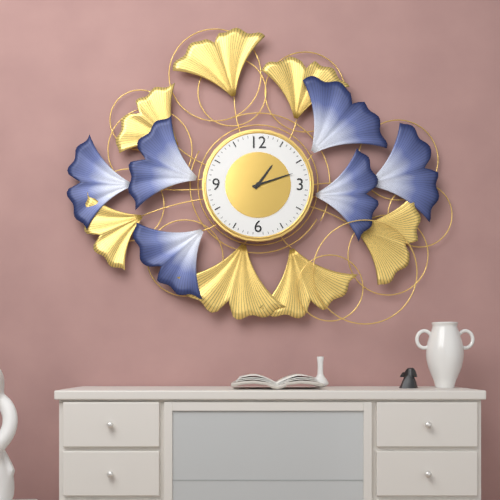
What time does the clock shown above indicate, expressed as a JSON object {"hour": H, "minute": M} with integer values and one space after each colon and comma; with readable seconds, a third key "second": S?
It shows {"hour": 1, "minute": 12}
